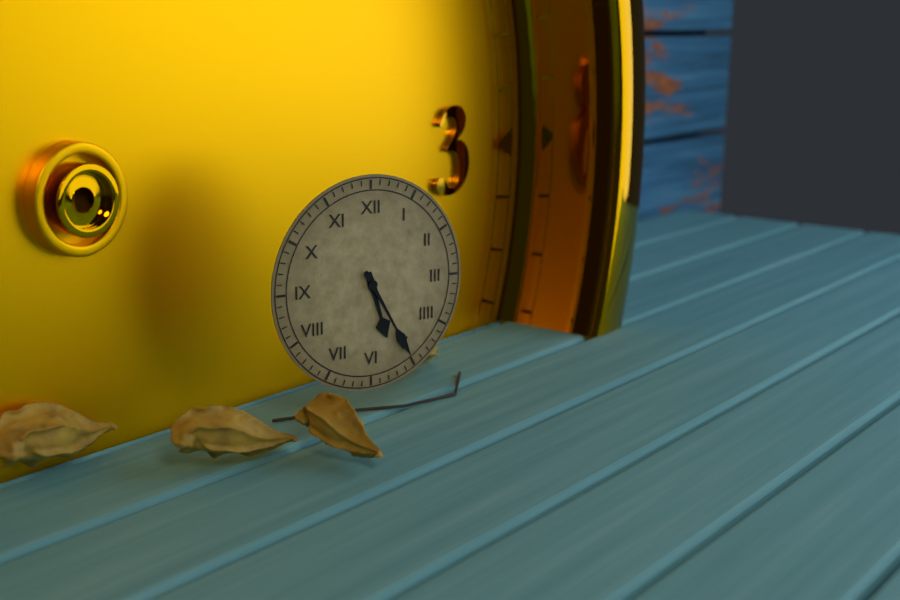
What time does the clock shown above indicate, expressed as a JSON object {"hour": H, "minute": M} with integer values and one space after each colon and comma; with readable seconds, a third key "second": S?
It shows {"hour": 5, "minute": 25}
